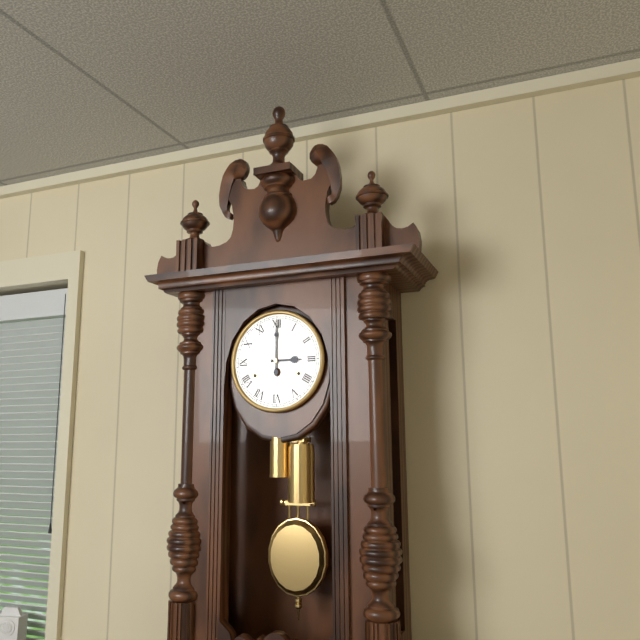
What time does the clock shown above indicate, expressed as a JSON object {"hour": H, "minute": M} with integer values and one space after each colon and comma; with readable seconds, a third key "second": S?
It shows {"hour": 3, "minute": 0}
